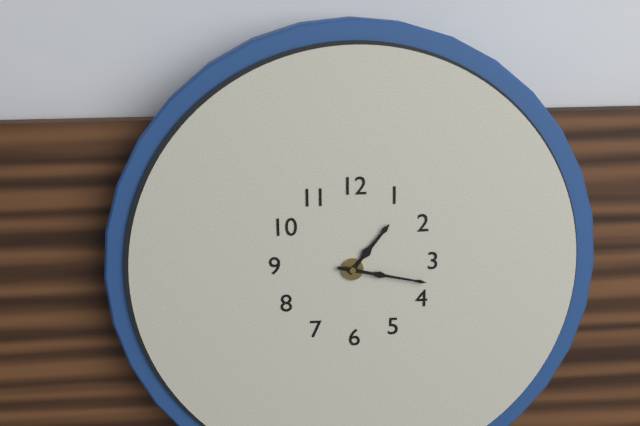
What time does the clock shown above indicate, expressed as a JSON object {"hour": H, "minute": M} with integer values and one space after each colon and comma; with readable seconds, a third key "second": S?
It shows {"hour": 1, "minute": 17}
